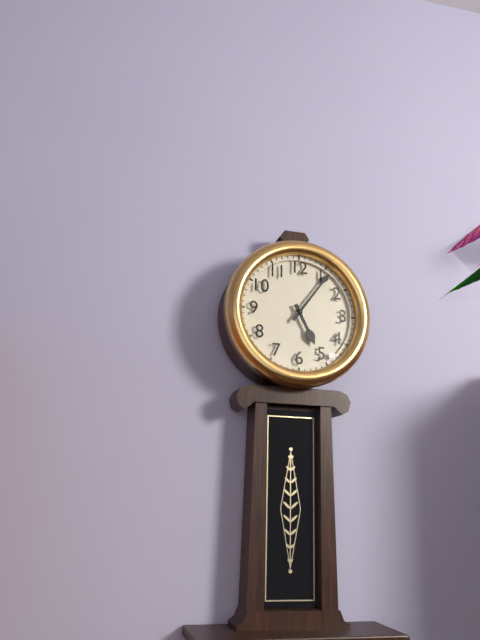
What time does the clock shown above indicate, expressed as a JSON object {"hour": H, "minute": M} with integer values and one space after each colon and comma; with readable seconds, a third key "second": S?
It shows {"hour": 5, "minute": 6}
